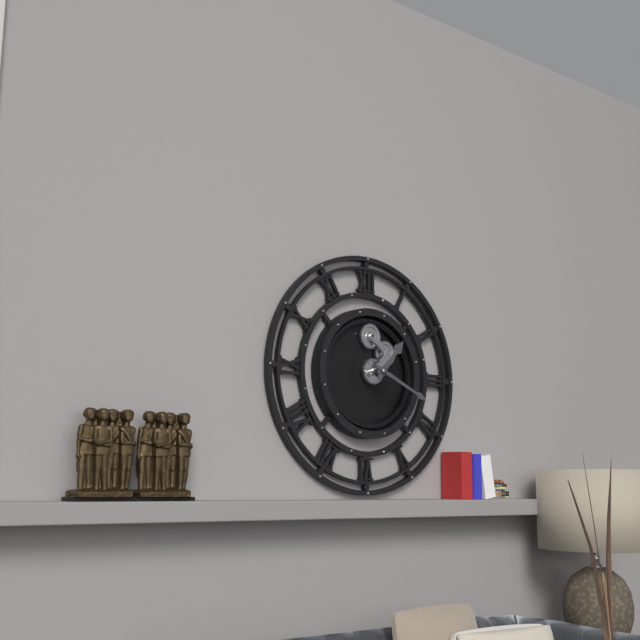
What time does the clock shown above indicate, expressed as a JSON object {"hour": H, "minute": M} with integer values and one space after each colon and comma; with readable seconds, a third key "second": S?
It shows {"hour": 1, "minute": 19}
